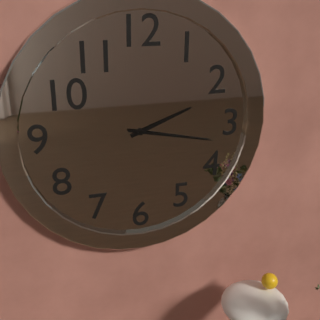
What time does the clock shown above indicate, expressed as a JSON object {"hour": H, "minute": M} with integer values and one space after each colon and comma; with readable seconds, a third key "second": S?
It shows {"hour": 2, "minute": 17}
